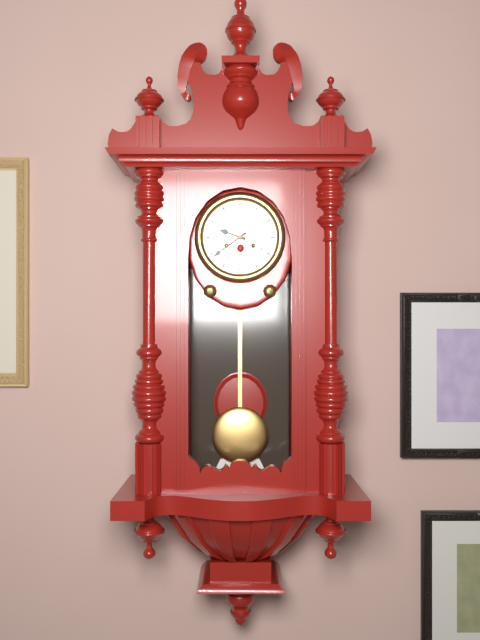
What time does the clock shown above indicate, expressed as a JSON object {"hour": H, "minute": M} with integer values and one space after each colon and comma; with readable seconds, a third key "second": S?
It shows {"hour": 9, "minute": 39}
